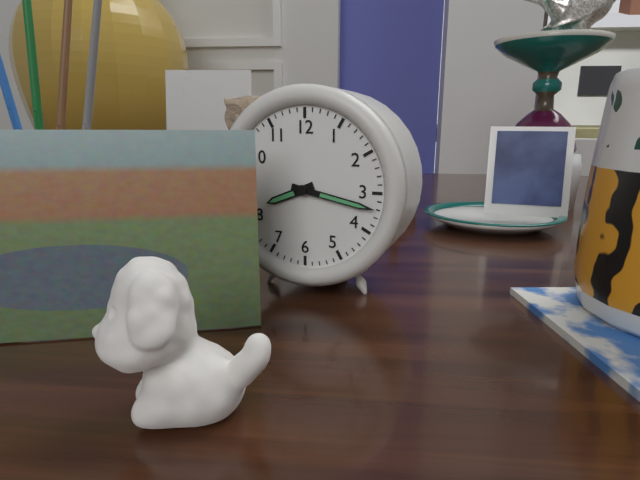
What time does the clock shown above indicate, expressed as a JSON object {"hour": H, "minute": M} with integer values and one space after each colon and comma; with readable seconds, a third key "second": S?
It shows {"hour": 8, "minute": 17}
